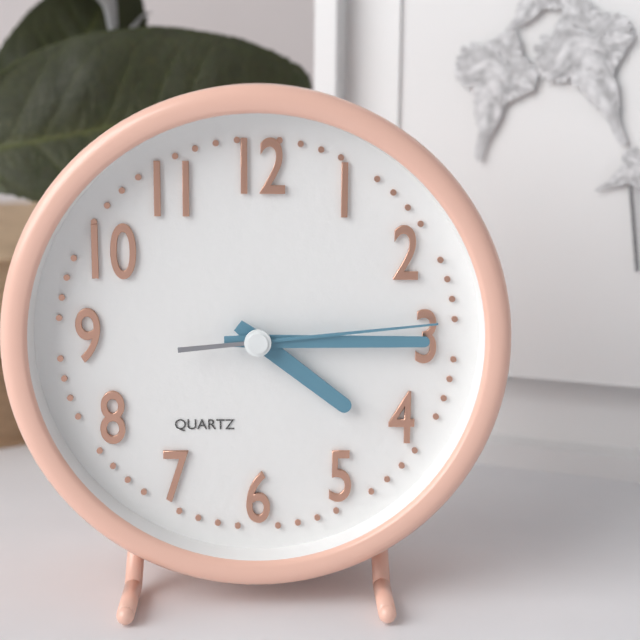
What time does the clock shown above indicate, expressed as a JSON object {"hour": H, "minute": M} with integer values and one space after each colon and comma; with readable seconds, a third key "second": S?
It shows {"hour": 4, "minute": 15, "second": 14}
